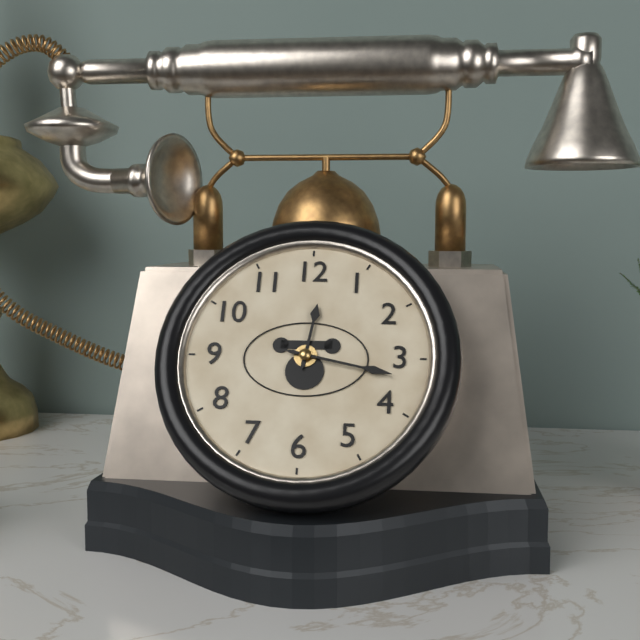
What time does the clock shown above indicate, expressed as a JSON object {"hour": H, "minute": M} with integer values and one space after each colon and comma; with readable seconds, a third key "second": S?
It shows {"hour": 12, "minute": 17}
